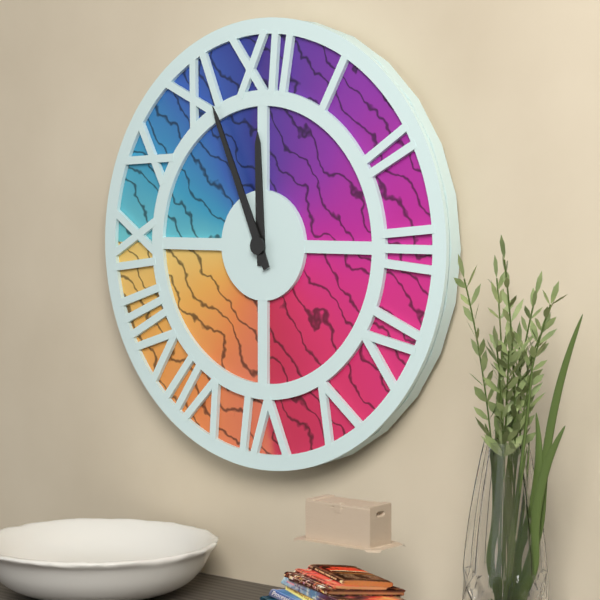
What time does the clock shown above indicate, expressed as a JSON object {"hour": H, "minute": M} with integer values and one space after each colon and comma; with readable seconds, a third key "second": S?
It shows {"hour": 11, "minute": 56}
